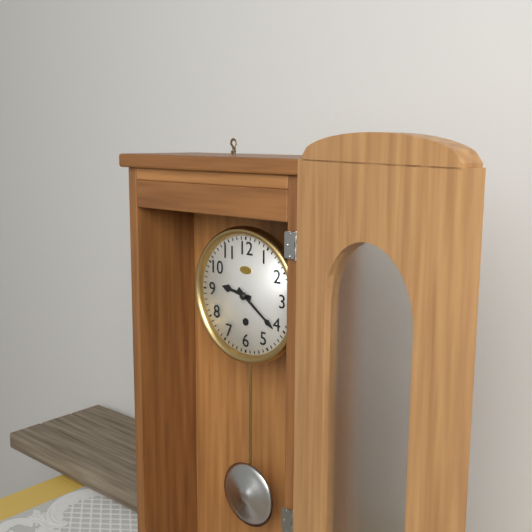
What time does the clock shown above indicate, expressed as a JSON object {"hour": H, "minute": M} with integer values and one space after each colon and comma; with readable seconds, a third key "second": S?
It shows {"hour": 9, "minute": 21}
